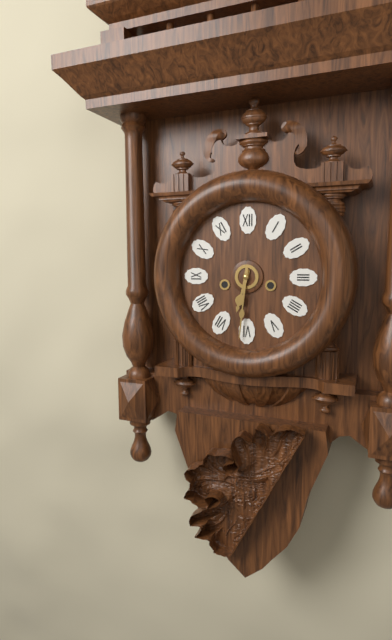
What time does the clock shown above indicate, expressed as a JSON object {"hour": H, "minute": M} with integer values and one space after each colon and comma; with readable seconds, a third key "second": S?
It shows {"hour": 6, "minute": 31}
